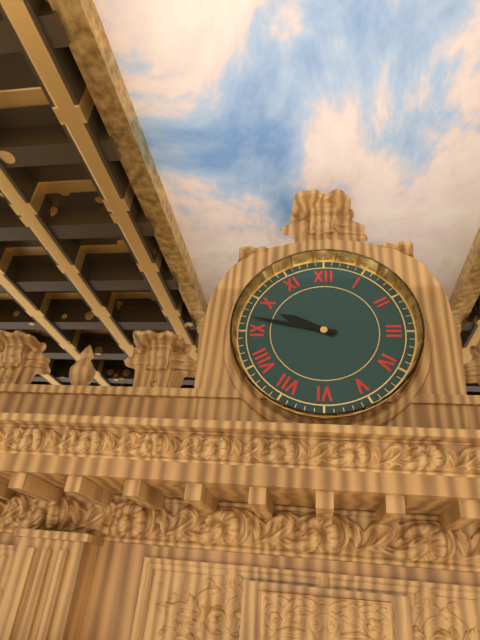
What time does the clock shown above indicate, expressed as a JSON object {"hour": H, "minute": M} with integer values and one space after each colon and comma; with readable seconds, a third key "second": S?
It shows {"hour": 9, "minute": 47}
